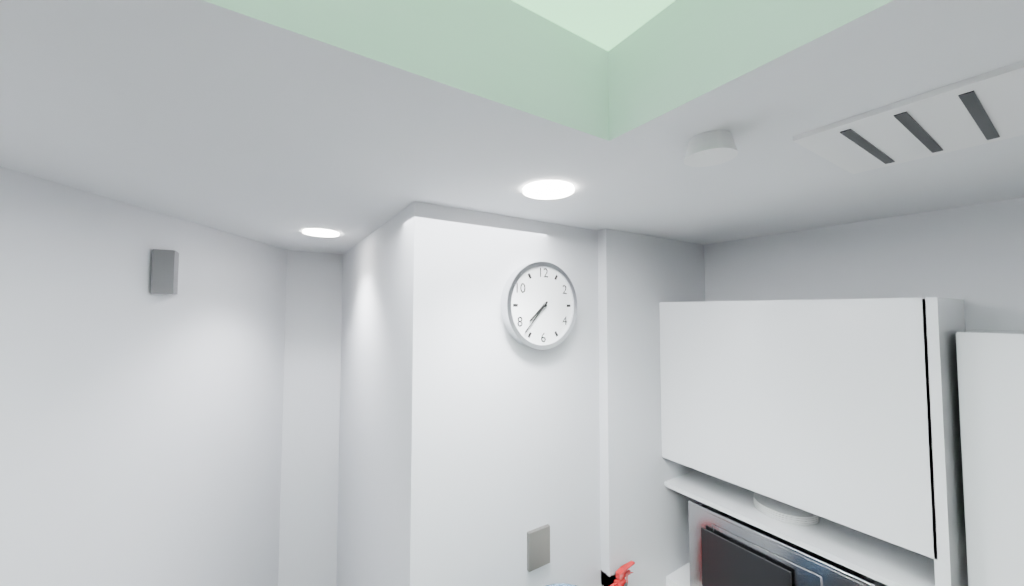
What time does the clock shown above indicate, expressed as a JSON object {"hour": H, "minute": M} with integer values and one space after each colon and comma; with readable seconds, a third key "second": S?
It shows {"hour": 7, "minute": 37}
